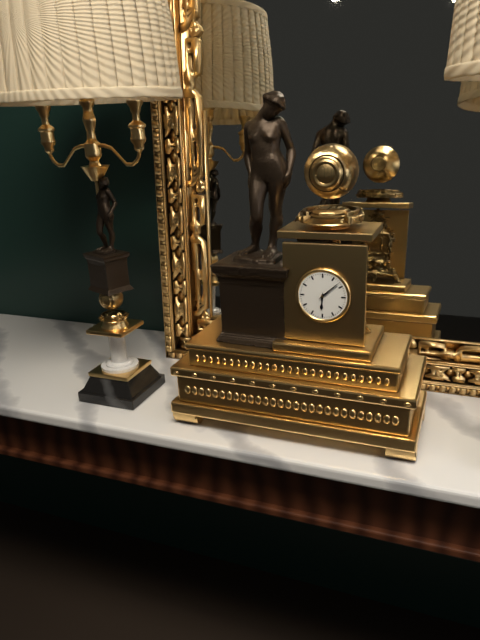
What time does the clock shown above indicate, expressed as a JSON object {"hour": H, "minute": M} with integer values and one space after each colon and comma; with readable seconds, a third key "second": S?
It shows {"hour": 6, "minute": 8}
